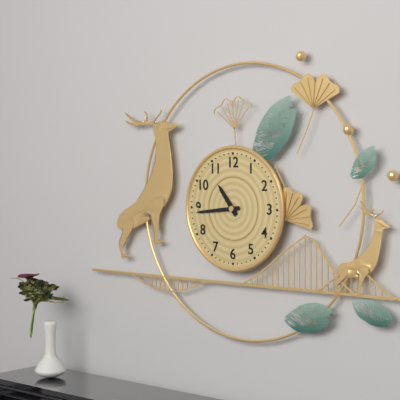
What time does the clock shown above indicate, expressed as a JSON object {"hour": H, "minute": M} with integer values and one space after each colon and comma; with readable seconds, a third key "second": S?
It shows {"hour": 10, "minute": 44}
